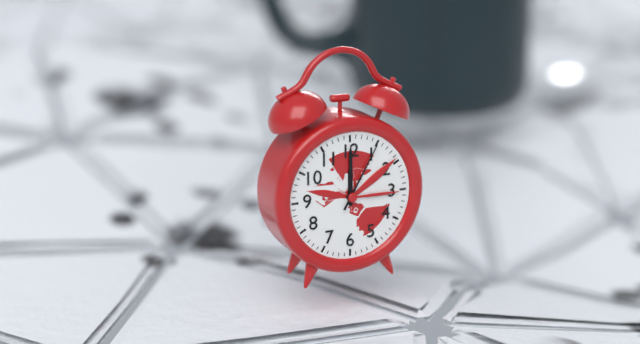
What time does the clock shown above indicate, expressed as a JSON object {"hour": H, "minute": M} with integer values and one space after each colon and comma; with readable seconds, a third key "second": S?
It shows {"hour": 12, "minute": 0, "second": 5}
